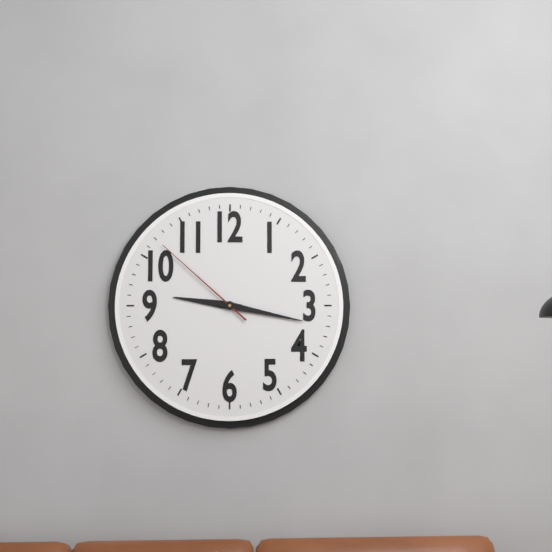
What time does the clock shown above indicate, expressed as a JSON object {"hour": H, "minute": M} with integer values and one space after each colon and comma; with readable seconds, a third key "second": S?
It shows {"hour": 9, "minute": 17, "second": 52}
